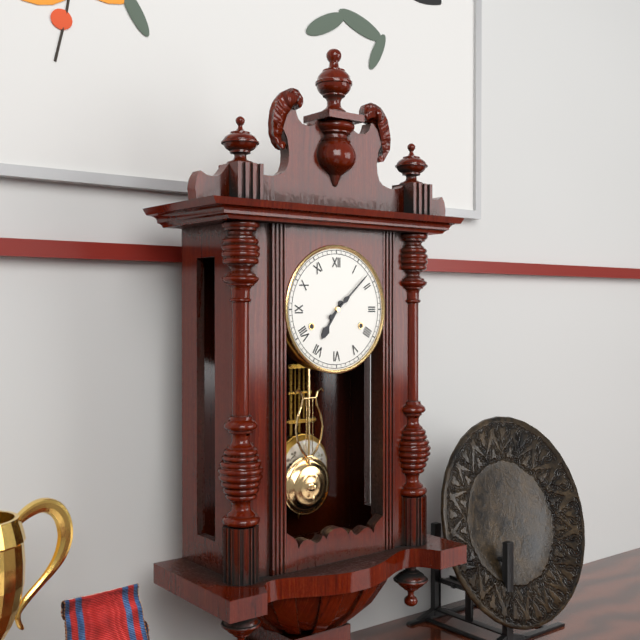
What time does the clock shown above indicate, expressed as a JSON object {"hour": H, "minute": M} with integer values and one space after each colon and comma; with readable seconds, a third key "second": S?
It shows {"hour": 7, "minute": 8}
